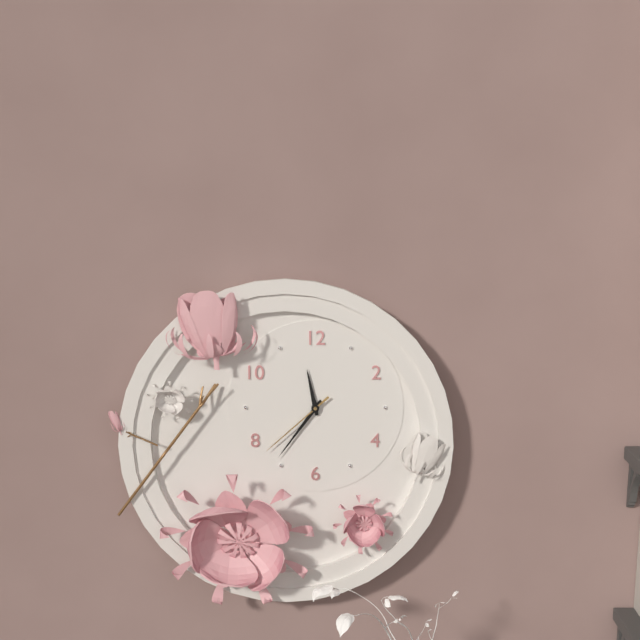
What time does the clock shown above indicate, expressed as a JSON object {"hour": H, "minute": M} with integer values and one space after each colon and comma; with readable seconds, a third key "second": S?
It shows {"hour": 11, "minute": 36, "second": 38}
